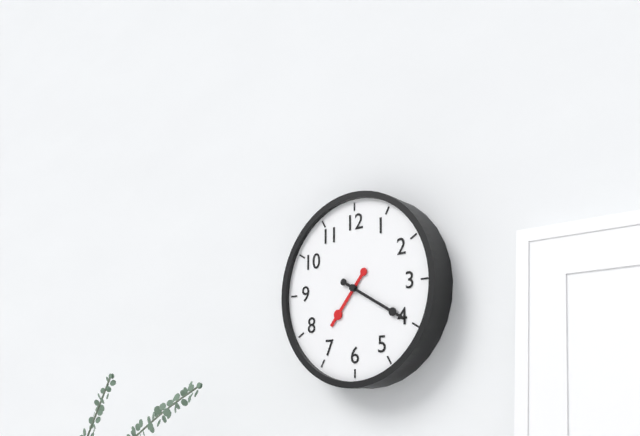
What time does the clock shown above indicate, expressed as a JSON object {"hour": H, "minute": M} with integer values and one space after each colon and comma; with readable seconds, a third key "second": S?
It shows {"hour": 7, "minute": 20}
